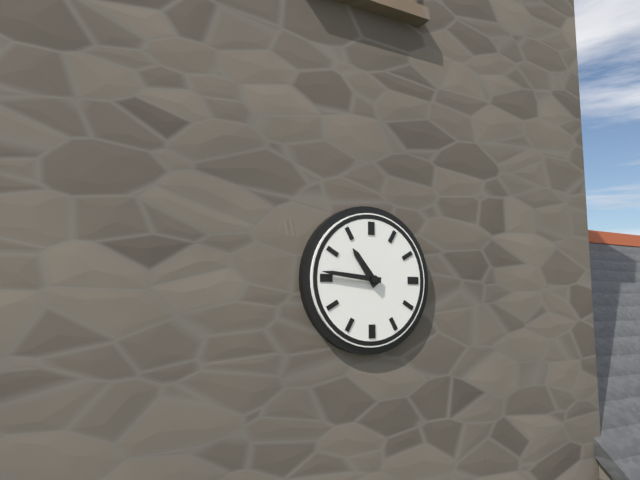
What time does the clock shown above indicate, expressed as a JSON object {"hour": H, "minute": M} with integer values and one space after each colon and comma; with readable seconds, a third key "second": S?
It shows {"hour": 10, "minute": 46}
